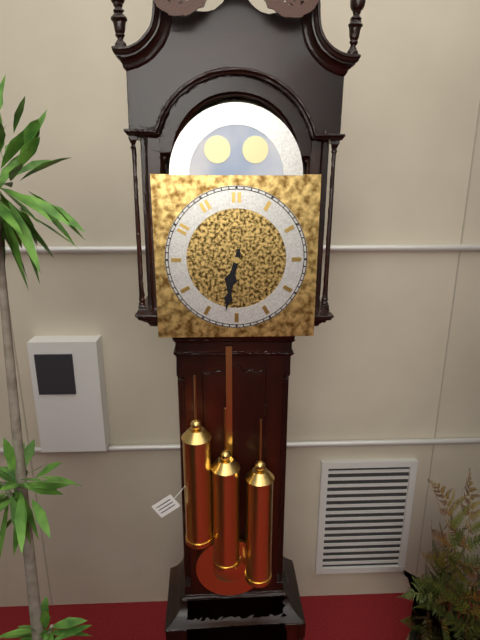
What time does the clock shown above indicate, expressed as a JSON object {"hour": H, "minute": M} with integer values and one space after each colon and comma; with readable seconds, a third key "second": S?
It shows {"hour": 6, "minute": 32}
